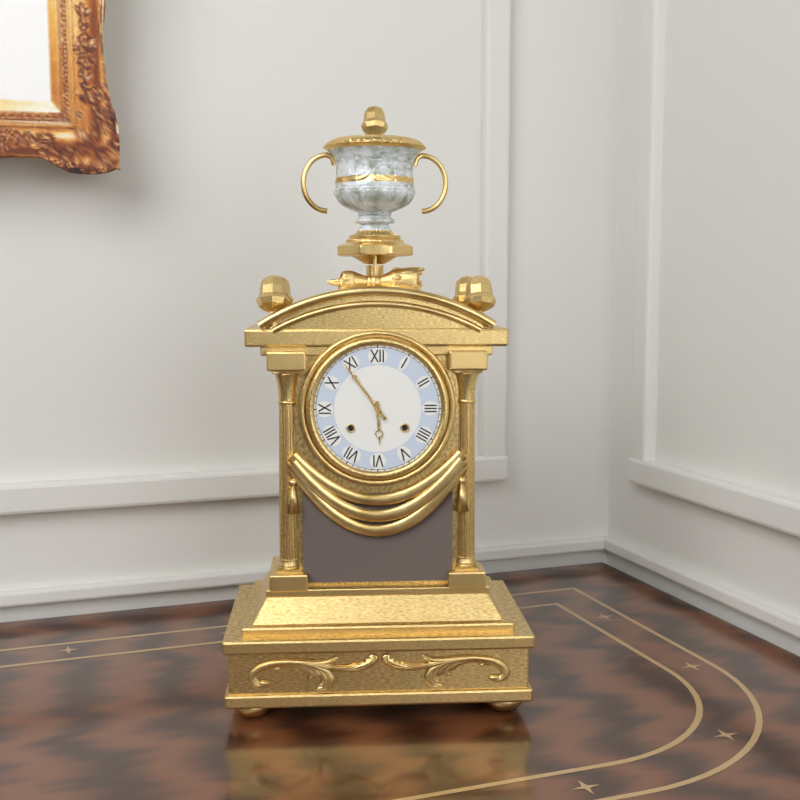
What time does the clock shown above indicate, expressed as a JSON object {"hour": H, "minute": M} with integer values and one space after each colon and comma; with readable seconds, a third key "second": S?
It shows {"hour": 5, "minute": 54}
